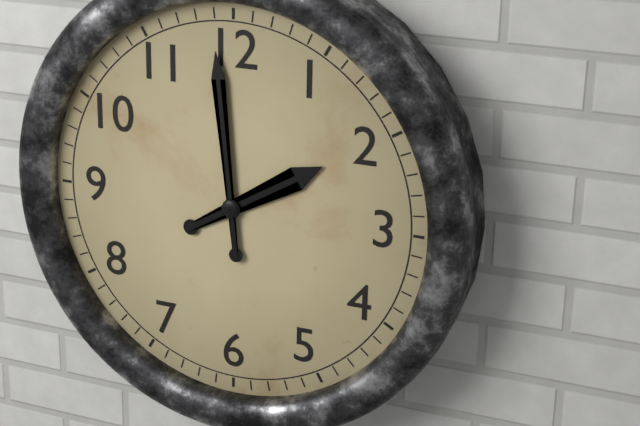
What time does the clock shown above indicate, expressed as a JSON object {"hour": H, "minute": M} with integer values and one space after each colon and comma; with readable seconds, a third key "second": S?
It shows {"hour": 1, "minute": 59}
